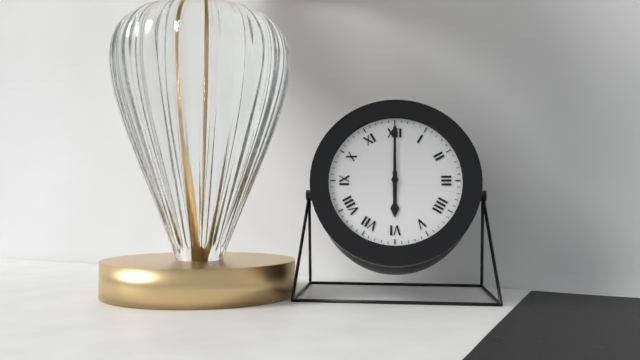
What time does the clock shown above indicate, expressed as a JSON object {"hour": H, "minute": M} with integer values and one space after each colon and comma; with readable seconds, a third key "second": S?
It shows {"hour": 6, "minute": 0}
